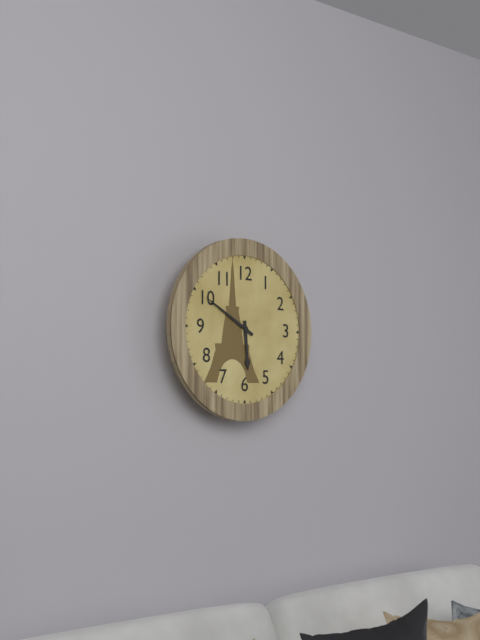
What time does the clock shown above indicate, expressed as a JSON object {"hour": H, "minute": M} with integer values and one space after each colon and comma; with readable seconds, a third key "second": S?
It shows {"hour": 5, "minute": 50}
